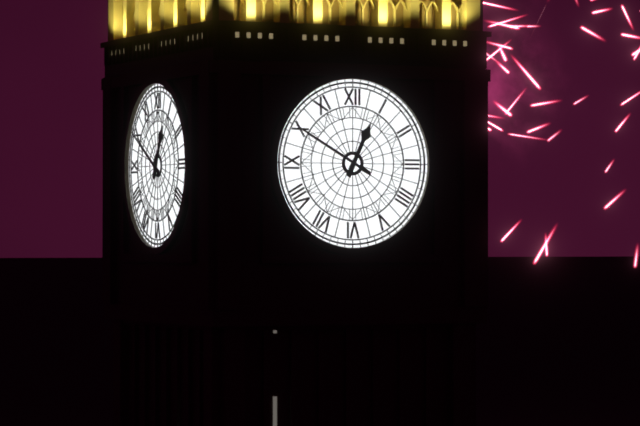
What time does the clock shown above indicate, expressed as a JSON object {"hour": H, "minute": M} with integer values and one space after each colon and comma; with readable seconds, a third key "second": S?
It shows {"hour": 12, "minute": 50}
